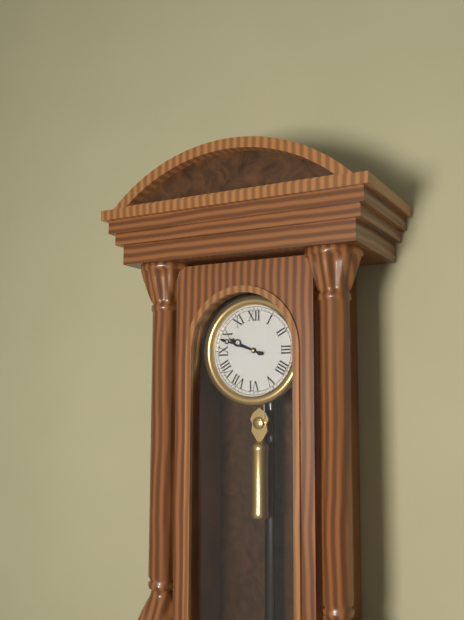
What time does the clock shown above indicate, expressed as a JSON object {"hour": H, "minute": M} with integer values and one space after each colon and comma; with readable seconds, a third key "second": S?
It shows {"hour": 9, "minute": 48}
